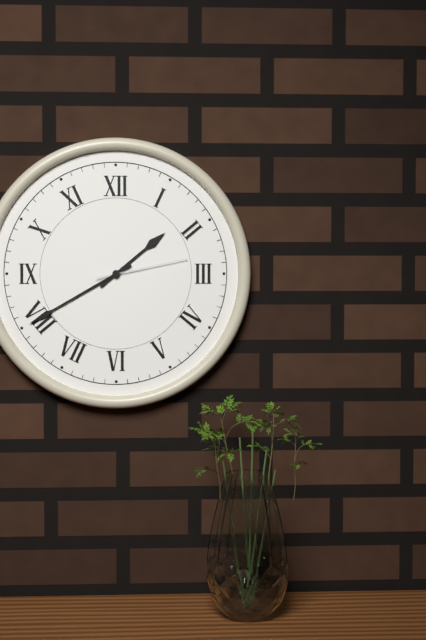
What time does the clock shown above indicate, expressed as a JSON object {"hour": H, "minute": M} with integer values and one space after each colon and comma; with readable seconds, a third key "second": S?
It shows {"hour": 1, "minute": 40, "second": 13}
